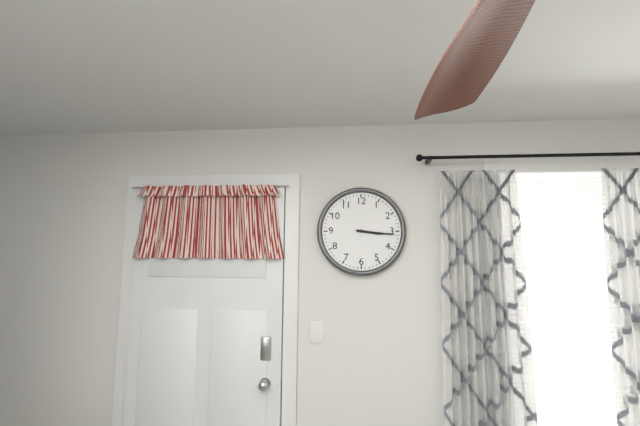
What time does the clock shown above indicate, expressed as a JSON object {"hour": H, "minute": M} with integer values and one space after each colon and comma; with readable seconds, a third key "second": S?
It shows {"hour": 3, "minute": 16}
